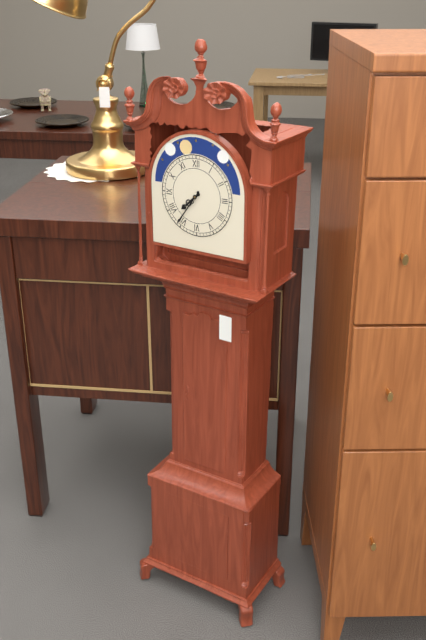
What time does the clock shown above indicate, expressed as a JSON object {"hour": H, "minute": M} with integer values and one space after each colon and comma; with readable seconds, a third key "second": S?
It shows {"hour": 7, "minute": 36}
